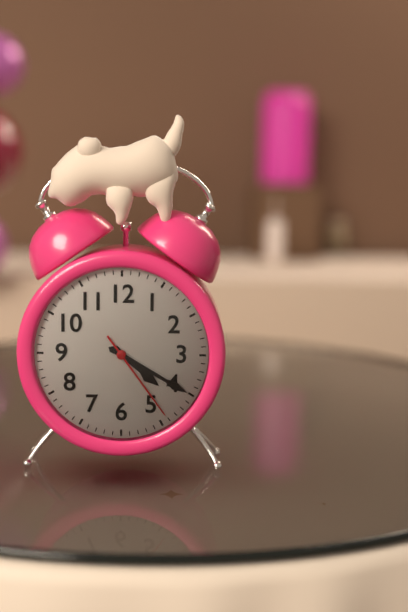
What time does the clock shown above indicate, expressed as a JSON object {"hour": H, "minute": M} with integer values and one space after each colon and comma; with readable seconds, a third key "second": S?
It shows {"hour": 4, "minute": 20, "second": 24}
